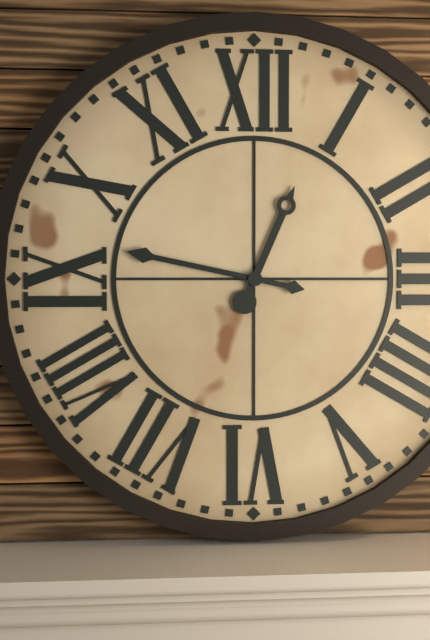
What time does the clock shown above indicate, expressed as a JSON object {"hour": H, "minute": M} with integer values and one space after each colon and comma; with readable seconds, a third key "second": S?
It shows {"hour": 12, "minute": 47}
